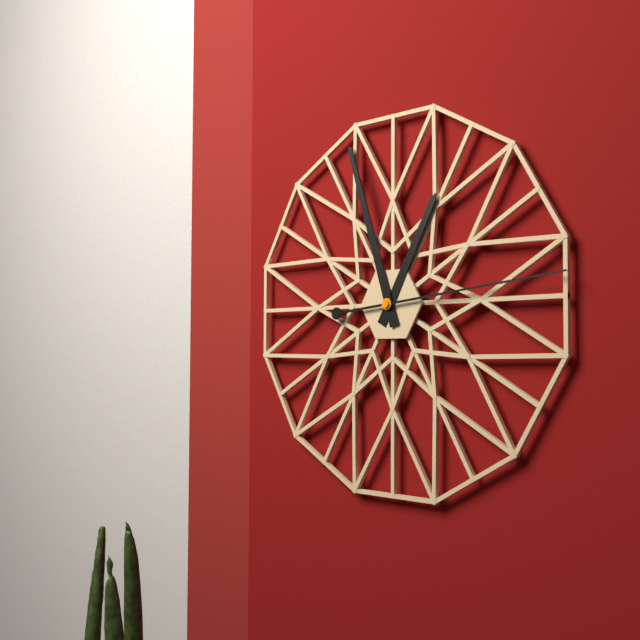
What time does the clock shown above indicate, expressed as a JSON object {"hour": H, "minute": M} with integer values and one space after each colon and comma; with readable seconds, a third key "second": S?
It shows {"hour": 12, "minute": 57, "second": 14}
